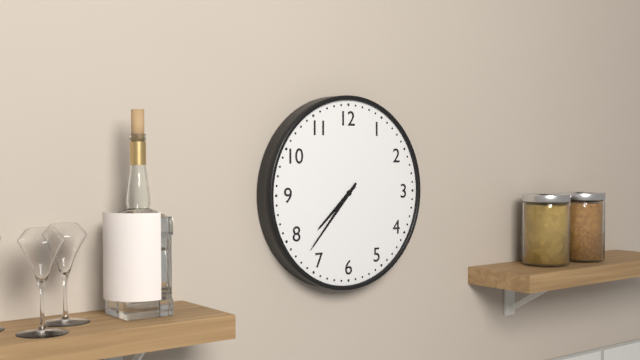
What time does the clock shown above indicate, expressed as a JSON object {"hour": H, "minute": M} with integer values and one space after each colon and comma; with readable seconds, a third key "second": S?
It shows {"hour": 7, "minute": 37}
